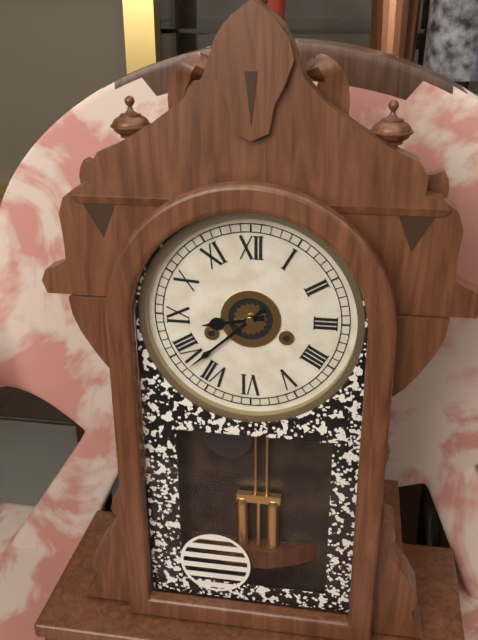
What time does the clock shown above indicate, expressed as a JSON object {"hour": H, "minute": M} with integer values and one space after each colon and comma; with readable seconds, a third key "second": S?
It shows {"hour": 8, "minute": 38}
